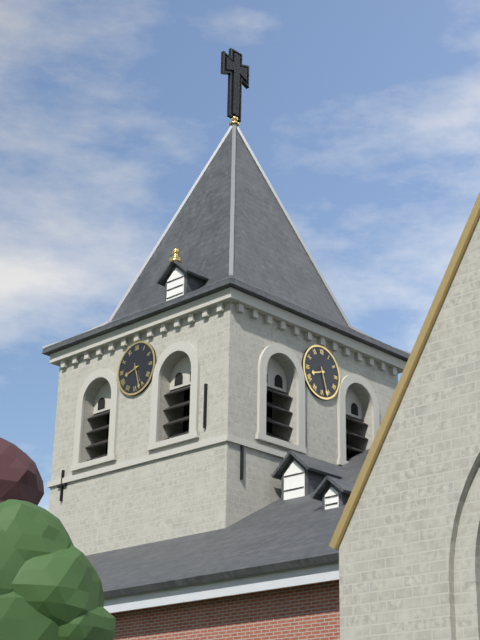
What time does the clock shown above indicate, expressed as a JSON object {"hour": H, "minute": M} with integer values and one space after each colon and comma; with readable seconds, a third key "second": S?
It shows {"hour": 8, "minute": 27}
